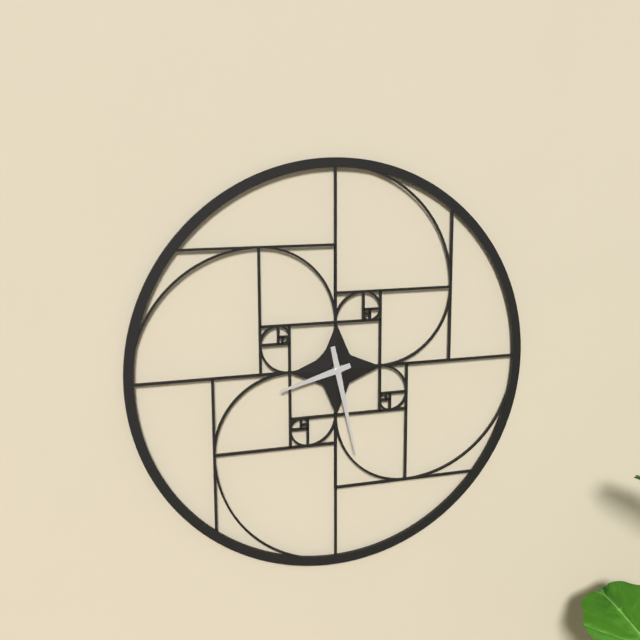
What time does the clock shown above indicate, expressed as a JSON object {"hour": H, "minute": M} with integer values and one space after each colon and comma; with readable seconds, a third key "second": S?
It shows {"hour": 8, "minute": 28}
